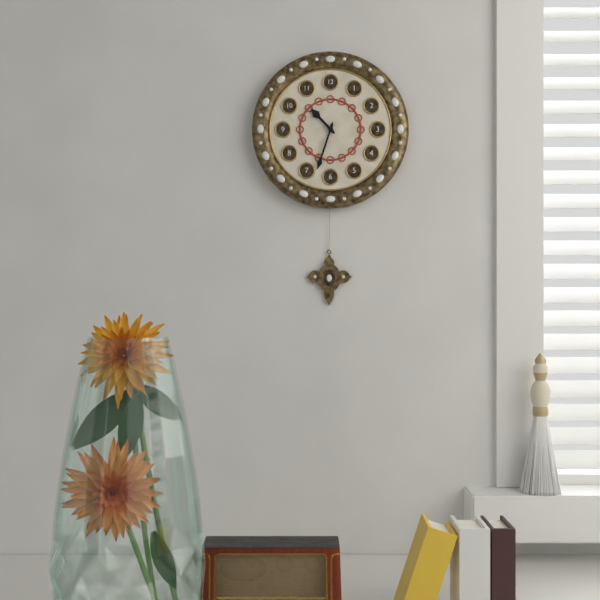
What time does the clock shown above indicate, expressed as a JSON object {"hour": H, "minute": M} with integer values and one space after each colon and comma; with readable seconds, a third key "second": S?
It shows {"hour": 10, "minute": 33}
